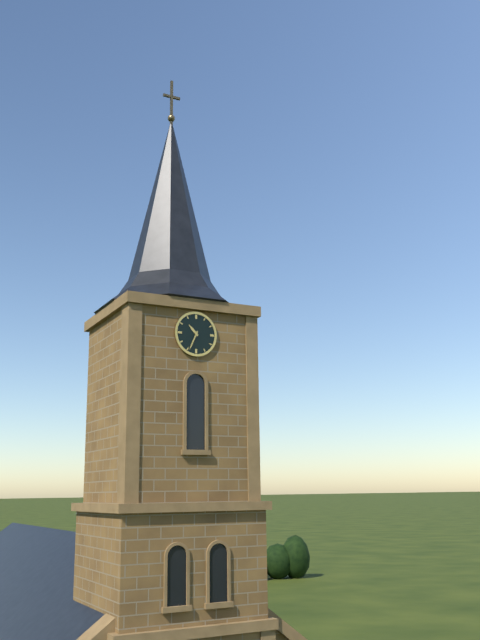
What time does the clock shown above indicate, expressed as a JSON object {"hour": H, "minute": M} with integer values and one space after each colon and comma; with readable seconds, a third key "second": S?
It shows {"hour": 10, "minute": 34}
